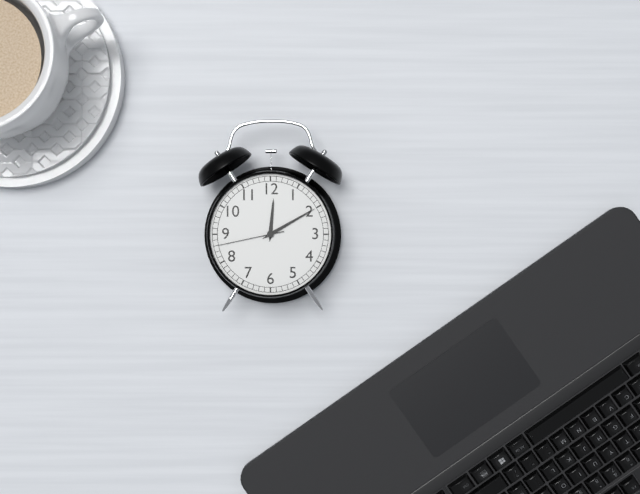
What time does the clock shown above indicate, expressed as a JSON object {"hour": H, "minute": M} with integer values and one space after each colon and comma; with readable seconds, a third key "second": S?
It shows {"hour": 12, "minute": 10, "second": 43}
